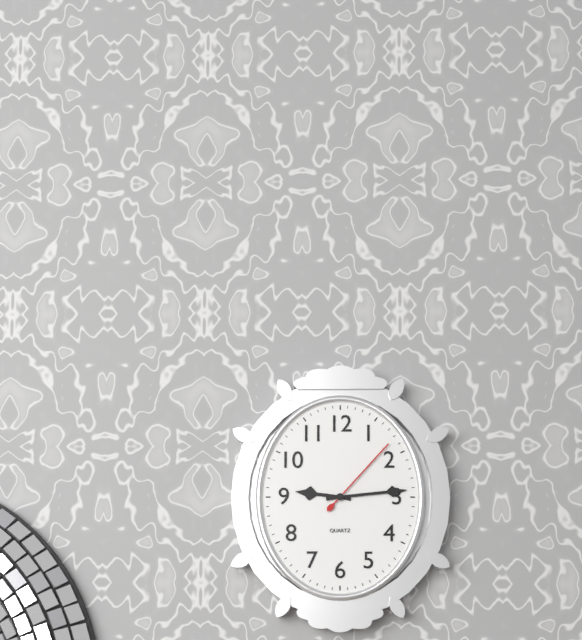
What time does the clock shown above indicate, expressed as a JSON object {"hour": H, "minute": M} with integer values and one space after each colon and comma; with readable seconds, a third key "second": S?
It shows {"hour": 9, "minute": 14, "second": 7}
